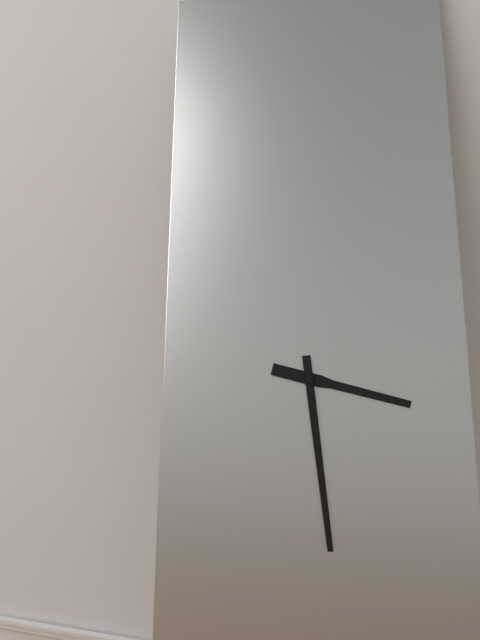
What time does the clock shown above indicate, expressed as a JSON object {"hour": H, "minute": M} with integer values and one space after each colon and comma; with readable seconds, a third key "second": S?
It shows {"hour": 3, "minute": 29}
